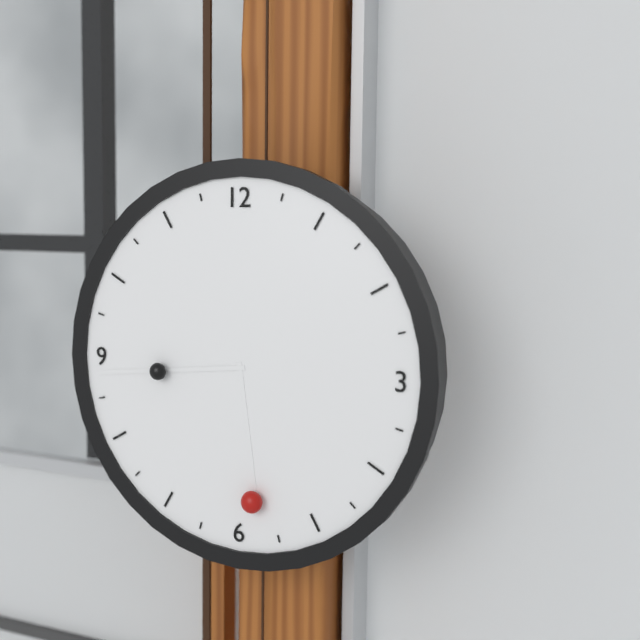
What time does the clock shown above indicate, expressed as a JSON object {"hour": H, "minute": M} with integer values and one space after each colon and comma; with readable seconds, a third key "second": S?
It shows {"hour": 5, "minute": 44}
